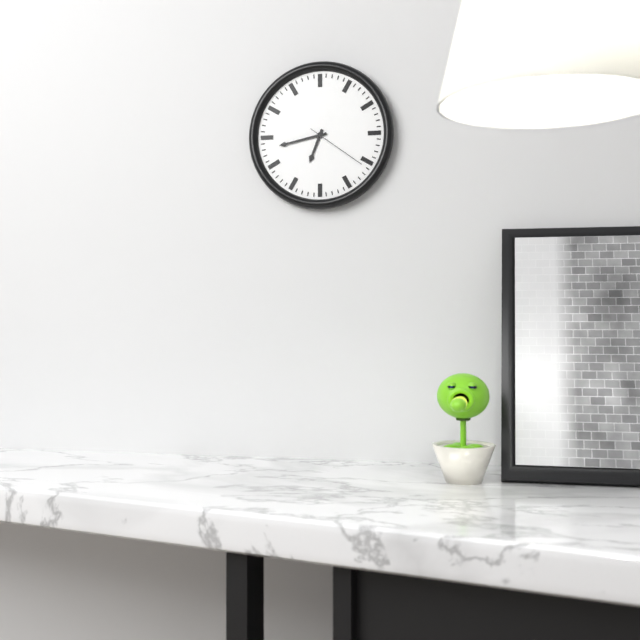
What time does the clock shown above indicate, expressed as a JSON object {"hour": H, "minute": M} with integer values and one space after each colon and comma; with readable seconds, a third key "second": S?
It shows {"hour": 6, "minute": 43, "second": 21}
